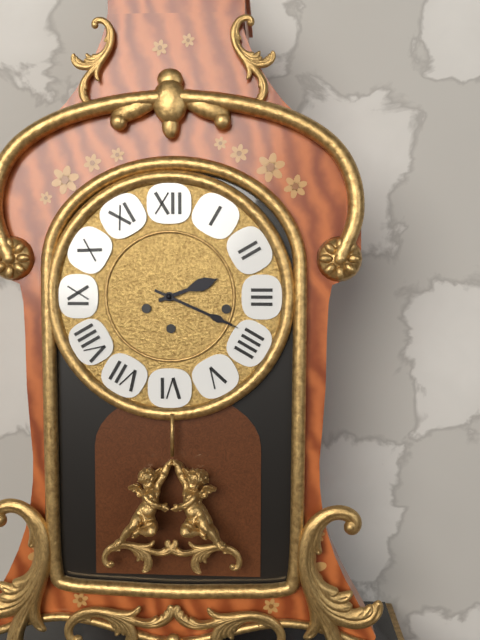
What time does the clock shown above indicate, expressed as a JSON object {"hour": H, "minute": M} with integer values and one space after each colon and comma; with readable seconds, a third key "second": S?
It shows {"hour": 2, "minute": 19}
